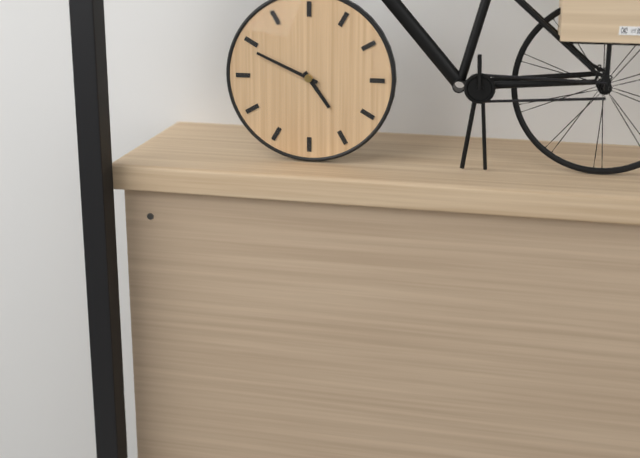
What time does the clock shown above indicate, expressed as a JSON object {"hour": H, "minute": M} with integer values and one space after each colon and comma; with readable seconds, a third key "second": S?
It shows {"hour": 4, "minute": 49}
